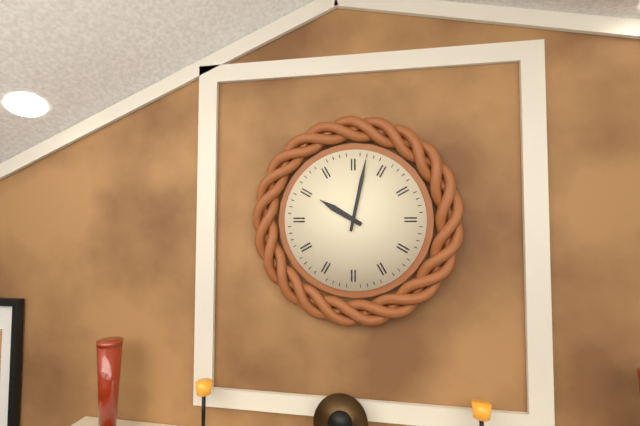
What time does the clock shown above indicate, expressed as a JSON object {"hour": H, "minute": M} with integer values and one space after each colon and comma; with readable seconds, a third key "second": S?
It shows {"hour": 10, "minute": 2}
